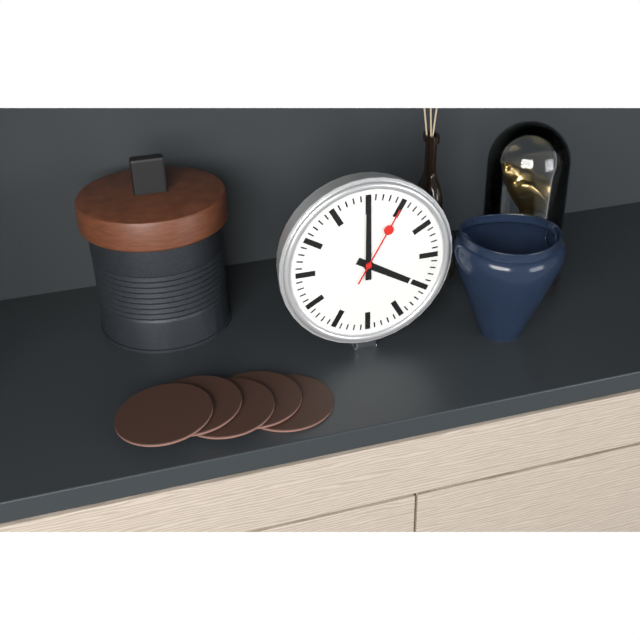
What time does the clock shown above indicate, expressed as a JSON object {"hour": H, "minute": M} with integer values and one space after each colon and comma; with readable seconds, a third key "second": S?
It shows {"hour": 4, "minute": 0, "second": 5}
